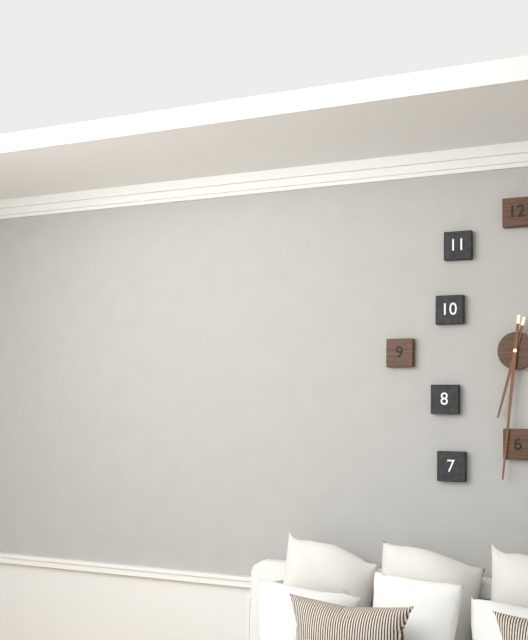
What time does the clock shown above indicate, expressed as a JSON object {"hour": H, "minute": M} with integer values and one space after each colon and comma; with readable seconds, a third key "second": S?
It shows {"hour": 6, "minute": 31}
